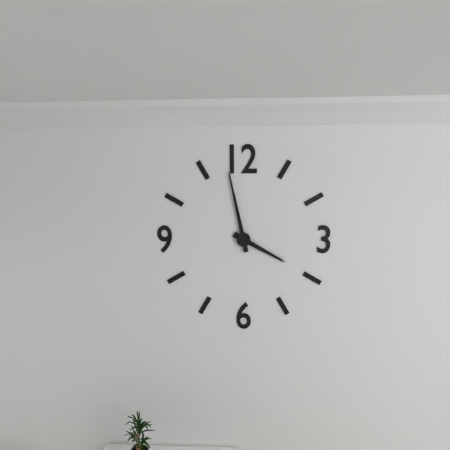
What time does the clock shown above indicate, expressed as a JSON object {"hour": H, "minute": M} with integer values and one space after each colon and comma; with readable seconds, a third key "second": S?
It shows {"hour": 3, "minute": 58}
